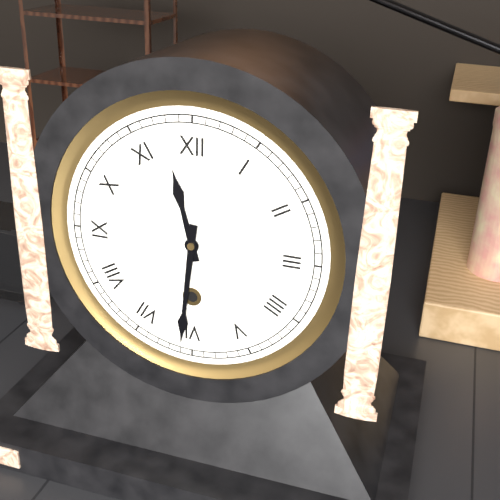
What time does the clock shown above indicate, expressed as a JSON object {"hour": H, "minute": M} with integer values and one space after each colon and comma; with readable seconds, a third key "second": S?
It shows {"hour": 11, "minute": 31}
